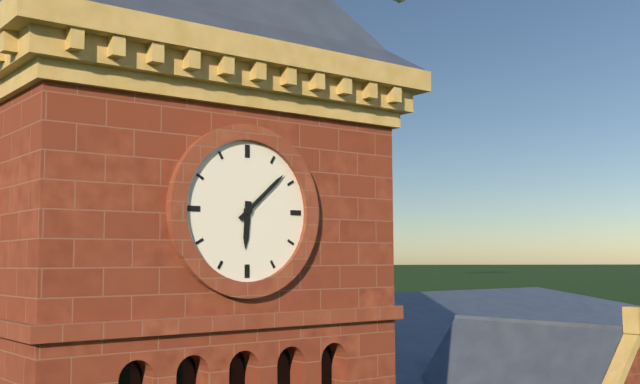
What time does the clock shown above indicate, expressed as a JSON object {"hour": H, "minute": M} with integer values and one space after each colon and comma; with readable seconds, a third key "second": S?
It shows {"hour": 6, "minute": 8}
